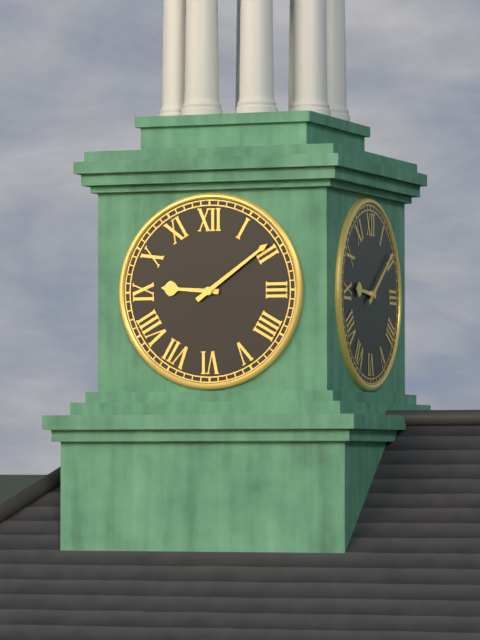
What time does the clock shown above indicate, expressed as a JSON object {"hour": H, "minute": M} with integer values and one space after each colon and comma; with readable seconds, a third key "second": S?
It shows {"hour": 9, "minute": 9}
